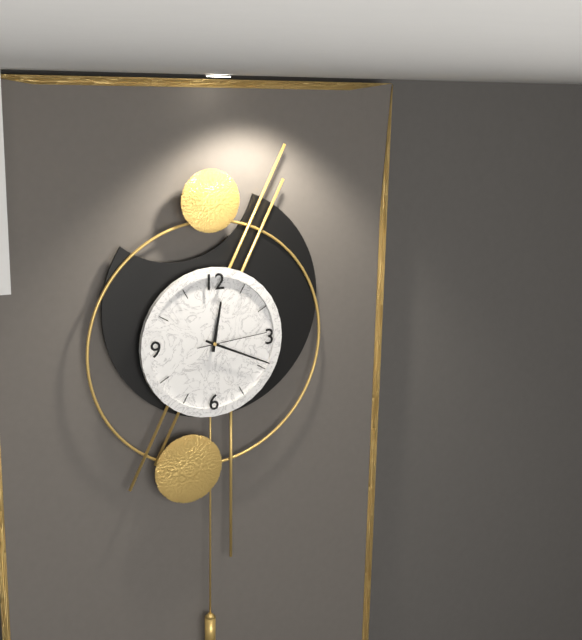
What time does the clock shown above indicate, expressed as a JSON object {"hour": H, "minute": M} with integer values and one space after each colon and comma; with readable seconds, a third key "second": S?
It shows {"hour": 12, "minute": 19, "second": 14}
